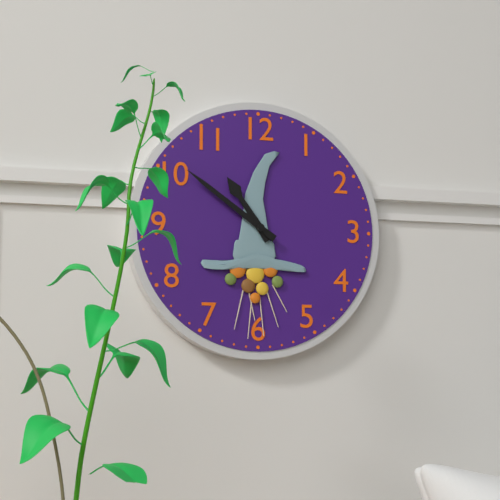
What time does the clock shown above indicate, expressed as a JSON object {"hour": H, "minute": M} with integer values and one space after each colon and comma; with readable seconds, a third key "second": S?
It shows {"hour": 10, "minute": 51}
